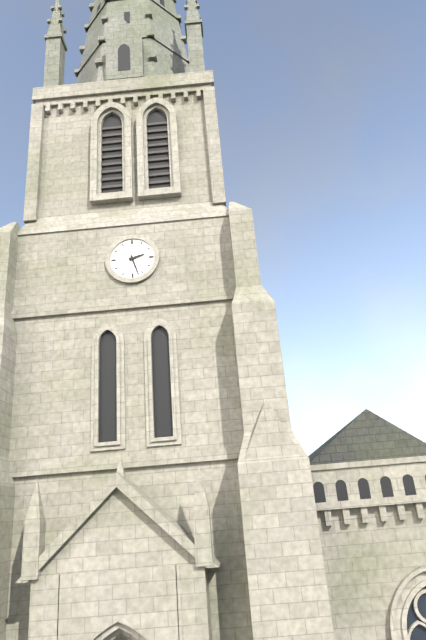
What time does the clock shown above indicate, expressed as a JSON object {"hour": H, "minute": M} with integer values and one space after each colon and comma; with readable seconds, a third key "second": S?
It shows {"hour": 2, "minute": 27}
